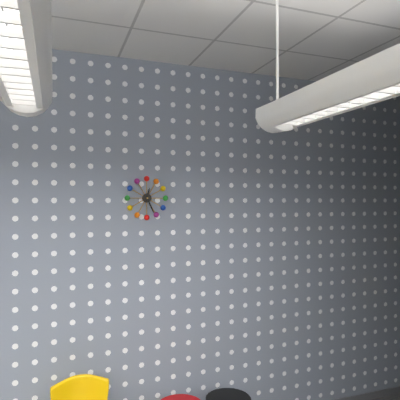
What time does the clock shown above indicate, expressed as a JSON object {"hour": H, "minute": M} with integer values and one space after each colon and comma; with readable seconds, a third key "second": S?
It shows {"hour": 12, "minute": 26}
